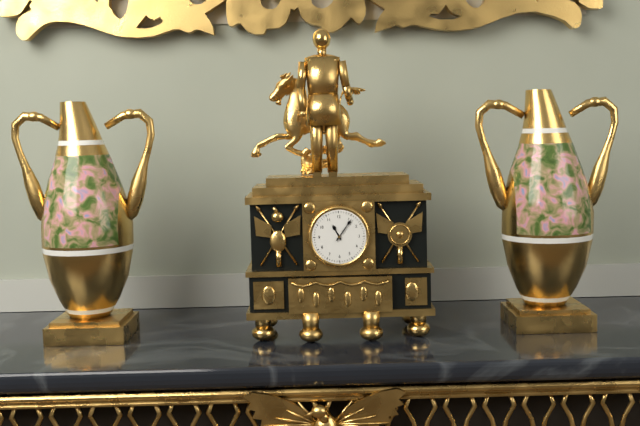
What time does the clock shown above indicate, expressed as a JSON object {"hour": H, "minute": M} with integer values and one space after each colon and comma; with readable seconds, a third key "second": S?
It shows {"hour": 11, "minute": 6}
